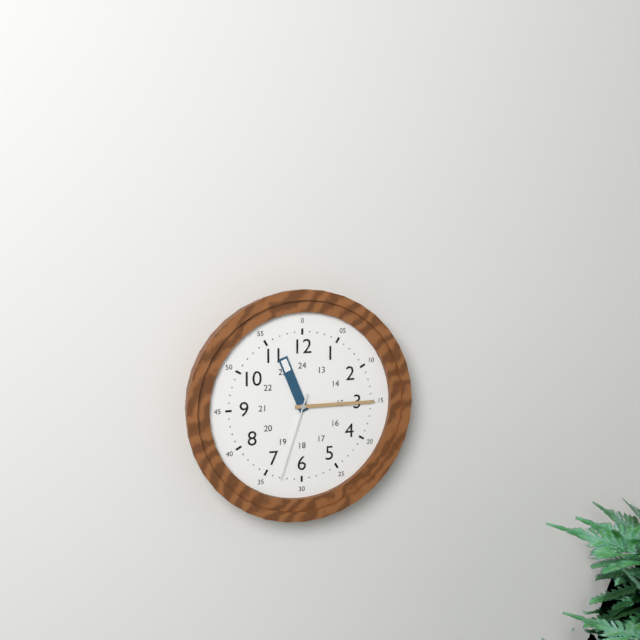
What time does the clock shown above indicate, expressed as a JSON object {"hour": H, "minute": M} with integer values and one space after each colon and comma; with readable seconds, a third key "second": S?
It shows {"hour": 11, "minute": 15, "second": 33}
